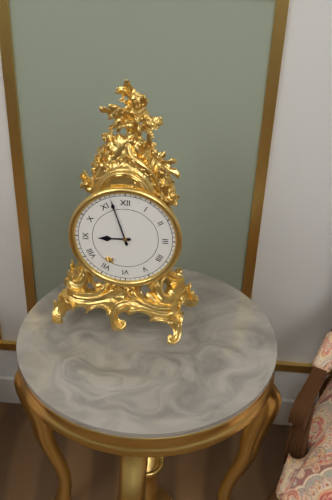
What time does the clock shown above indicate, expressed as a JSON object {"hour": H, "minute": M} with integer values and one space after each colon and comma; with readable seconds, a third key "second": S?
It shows {"hour": 8, "minute": 57}
